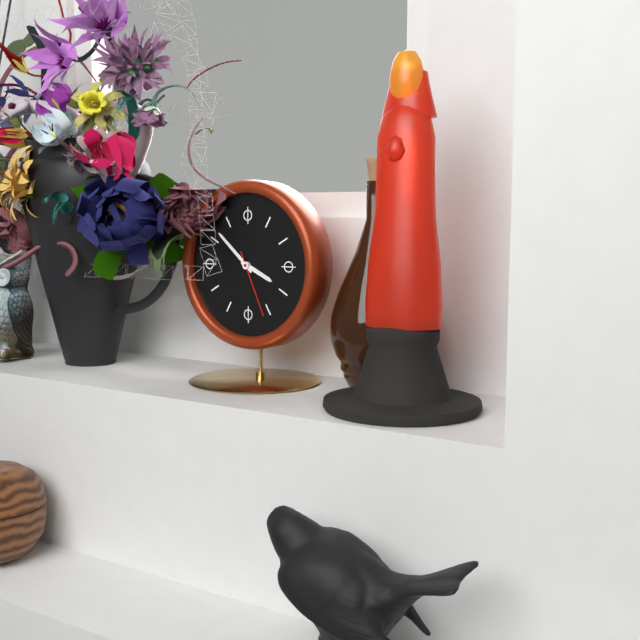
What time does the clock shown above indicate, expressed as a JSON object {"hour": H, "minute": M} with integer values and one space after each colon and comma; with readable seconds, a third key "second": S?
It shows {"hour": 3, "minute": 52, "second": 26}
